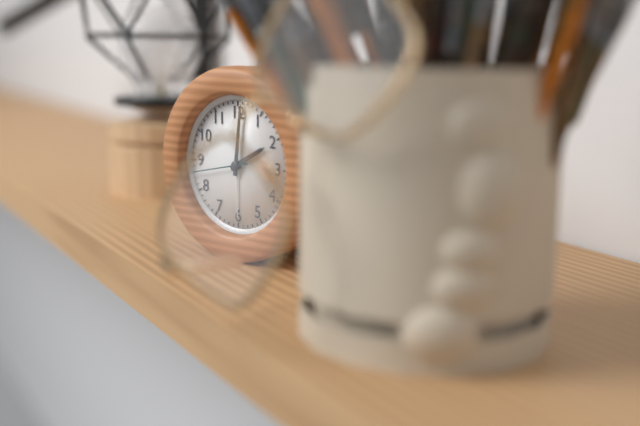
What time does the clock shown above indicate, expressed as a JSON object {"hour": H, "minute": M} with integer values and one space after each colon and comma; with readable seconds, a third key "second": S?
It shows {"hour": 2, "minute": 1, "second": 43}
